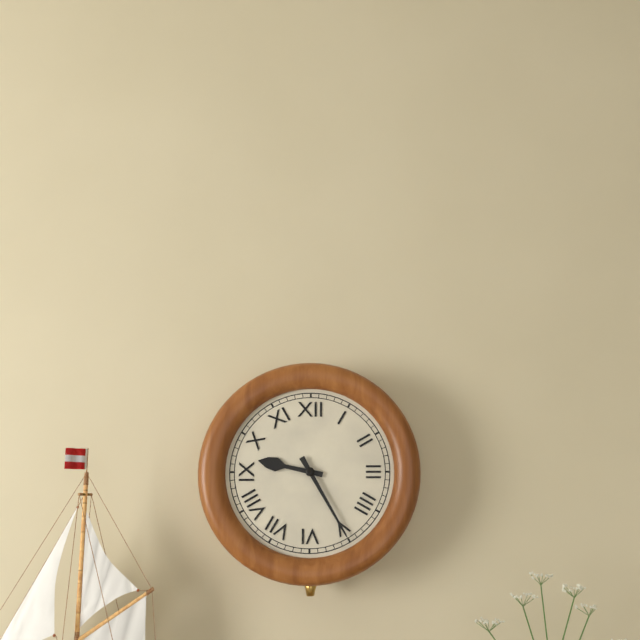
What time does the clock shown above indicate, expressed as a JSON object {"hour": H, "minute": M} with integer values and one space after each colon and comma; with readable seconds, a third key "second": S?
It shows {"hour": 9, "minute": 25}
